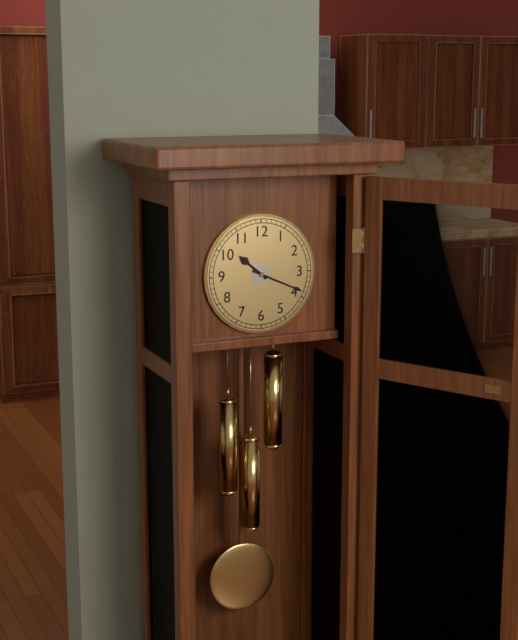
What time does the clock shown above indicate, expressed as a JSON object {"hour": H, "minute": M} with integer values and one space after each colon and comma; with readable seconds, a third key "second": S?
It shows {"hour": 10, "minute": 19}
